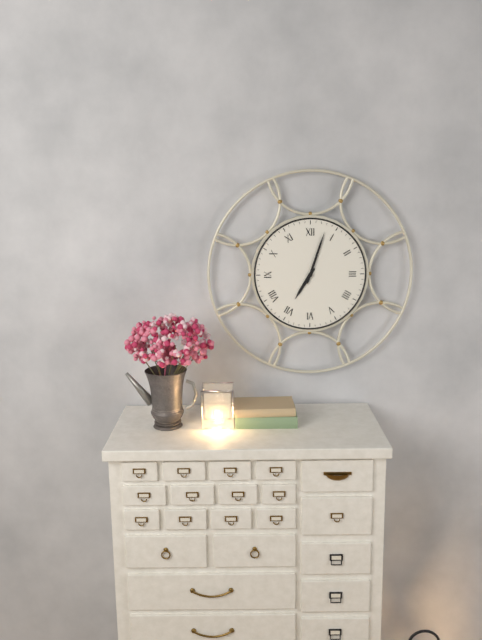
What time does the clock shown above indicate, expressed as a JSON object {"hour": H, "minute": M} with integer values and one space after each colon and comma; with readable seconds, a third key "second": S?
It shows {"hour": 7, "minute": 3}
